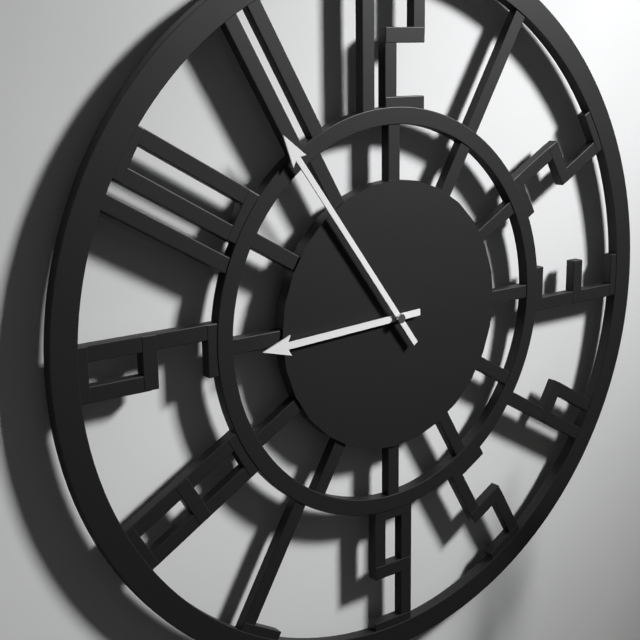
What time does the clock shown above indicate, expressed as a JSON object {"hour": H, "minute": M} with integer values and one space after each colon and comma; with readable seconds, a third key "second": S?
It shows {"hour": 8, "minute": 54}
